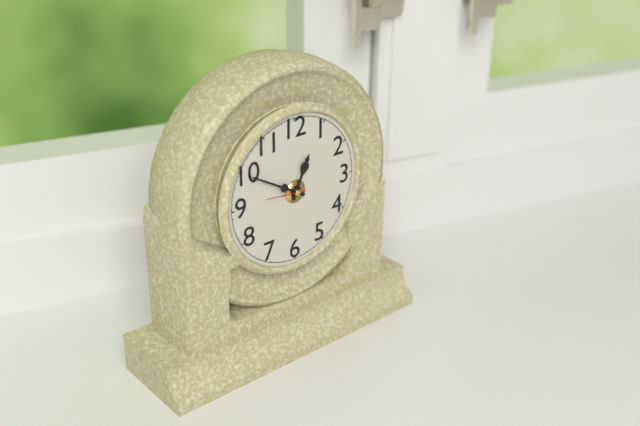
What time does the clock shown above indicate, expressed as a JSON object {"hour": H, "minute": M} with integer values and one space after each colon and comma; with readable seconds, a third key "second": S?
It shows {"hour": 12, "minute": 50}
